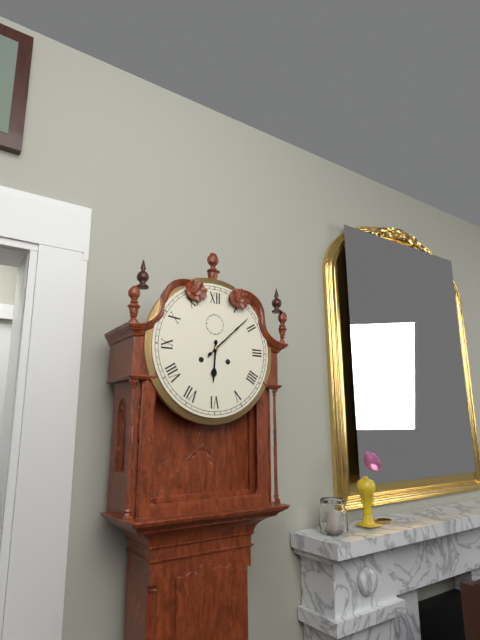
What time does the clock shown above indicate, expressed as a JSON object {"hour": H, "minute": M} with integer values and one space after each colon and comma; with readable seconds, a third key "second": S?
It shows {"hour": 6, "minute": 8}
